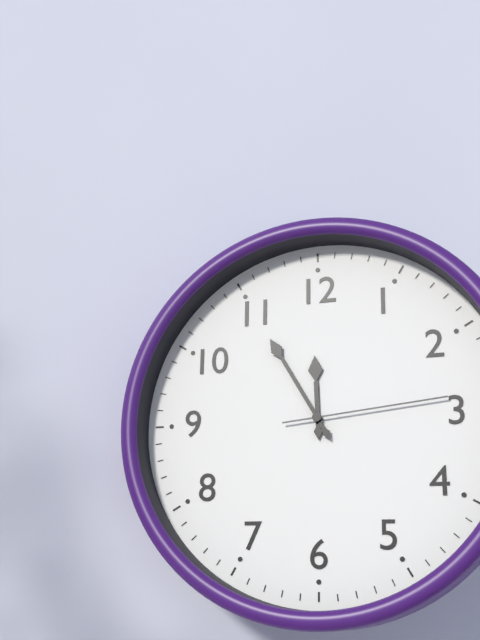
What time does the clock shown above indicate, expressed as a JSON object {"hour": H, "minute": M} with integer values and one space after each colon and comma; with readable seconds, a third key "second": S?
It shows {"hour": 11, "minute": 55, "second": 14}
